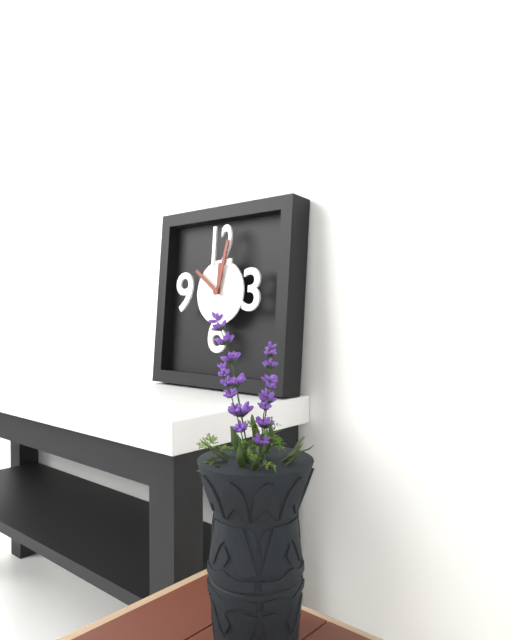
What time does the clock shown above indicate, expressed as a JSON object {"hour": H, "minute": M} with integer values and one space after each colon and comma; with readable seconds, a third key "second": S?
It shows {"hour": 12, "minute": 2}
